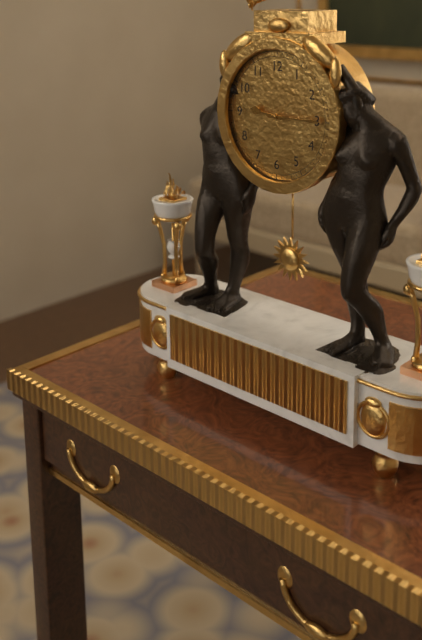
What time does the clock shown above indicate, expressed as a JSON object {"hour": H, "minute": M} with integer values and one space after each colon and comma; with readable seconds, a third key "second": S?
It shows {"hour": 9, "minute": 15}
